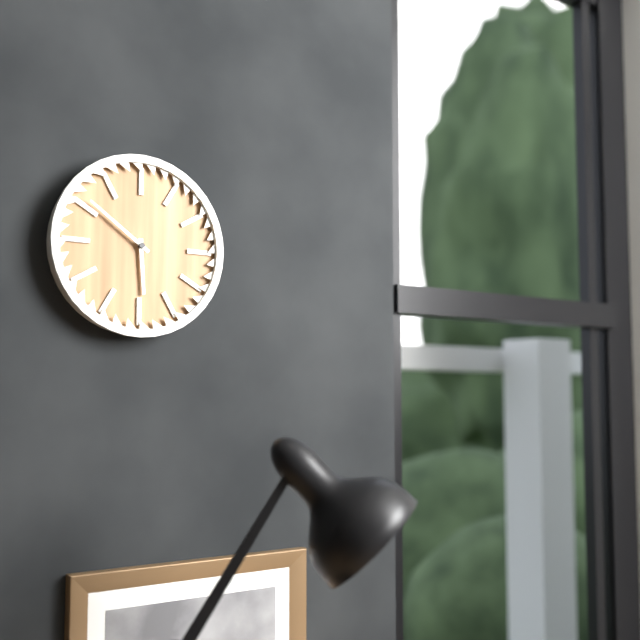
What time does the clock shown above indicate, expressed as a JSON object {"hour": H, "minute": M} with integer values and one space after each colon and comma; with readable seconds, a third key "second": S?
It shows {"hour": 5, "minute": 51}
